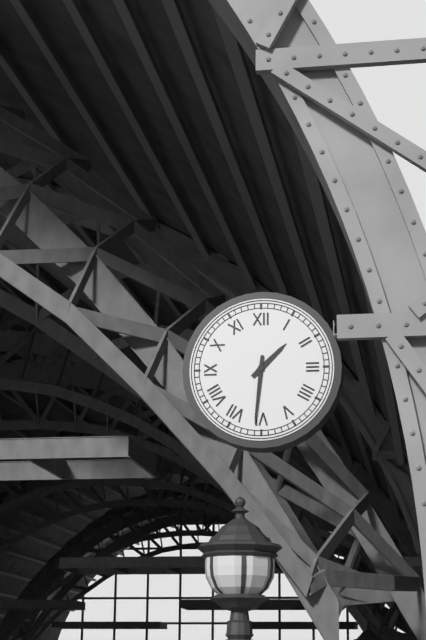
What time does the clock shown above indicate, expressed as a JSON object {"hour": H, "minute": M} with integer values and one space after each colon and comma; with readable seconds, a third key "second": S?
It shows {"hour": 1, "minute": 31}
